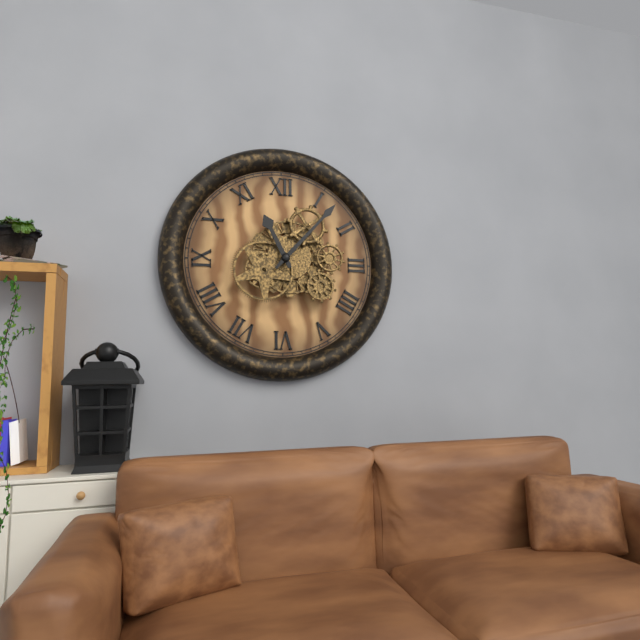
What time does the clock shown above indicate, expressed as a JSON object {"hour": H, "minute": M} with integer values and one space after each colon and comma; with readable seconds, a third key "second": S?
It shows {"hour": 11, "minute": 7}
